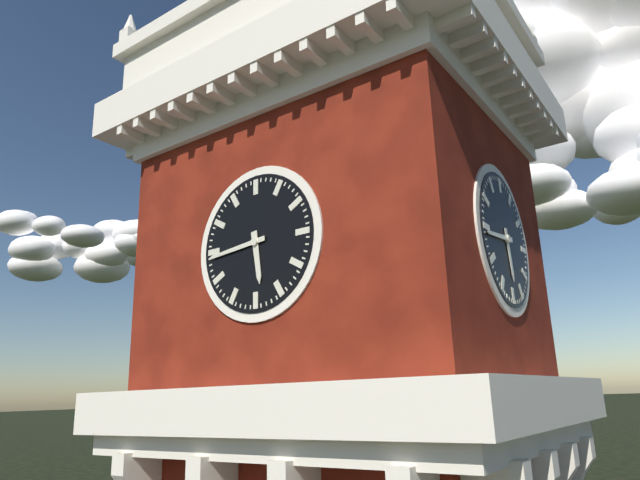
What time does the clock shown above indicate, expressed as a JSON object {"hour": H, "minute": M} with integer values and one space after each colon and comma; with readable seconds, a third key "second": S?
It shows {"hour": 5, "minute": 44}
